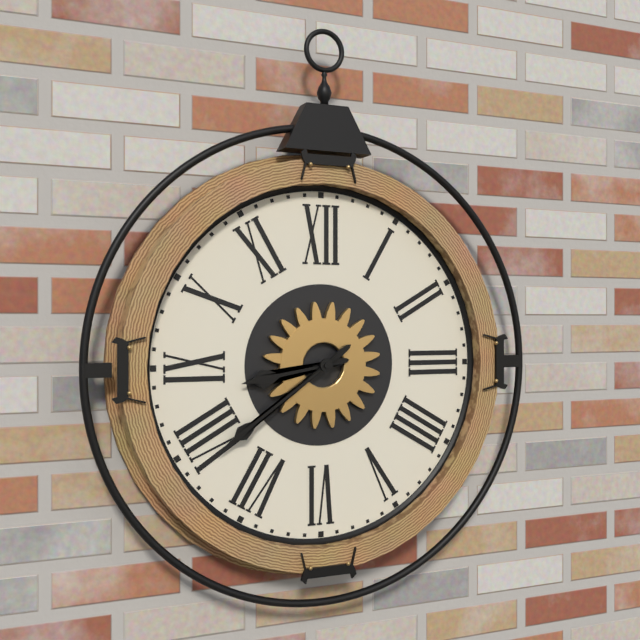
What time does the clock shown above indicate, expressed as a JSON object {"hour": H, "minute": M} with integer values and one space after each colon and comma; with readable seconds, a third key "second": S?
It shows {"hour": 8, "minute": 39}
